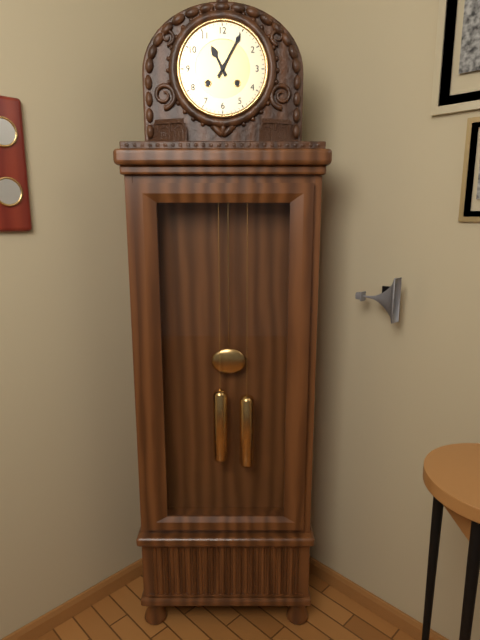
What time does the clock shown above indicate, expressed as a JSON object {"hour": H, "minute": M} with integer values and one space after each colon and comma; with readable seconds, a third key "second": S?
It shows {"hour": 11, "minute": 5}
